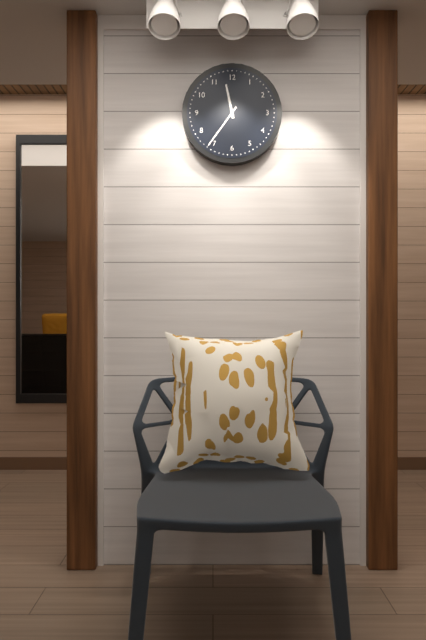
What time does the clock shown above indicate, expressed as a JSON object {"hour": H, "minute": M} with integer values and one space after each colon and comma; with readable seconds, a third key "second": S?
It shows {"hour": 11, "minute": 36}
